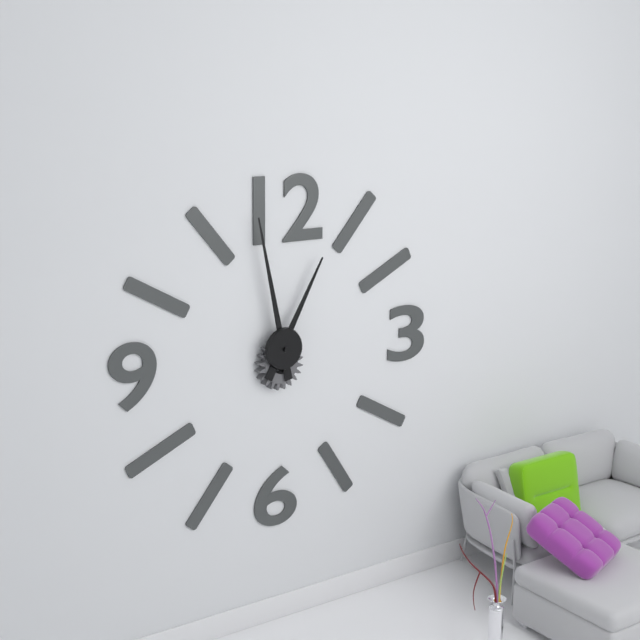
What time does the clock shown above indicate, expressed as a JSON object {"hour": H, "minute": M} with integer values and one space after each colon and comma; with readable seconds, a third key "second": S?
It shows {"hour": 12, "minute": 58}
